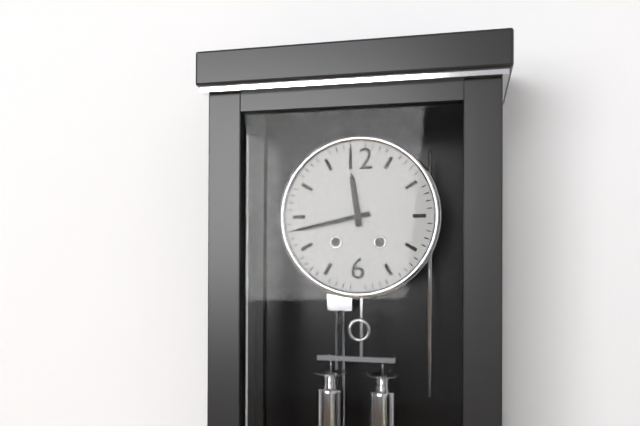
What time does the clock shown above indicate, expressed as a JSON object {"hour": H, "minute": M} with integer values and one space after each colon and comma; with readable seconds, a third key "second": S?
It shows {"hour": 11, "minute": 43}
